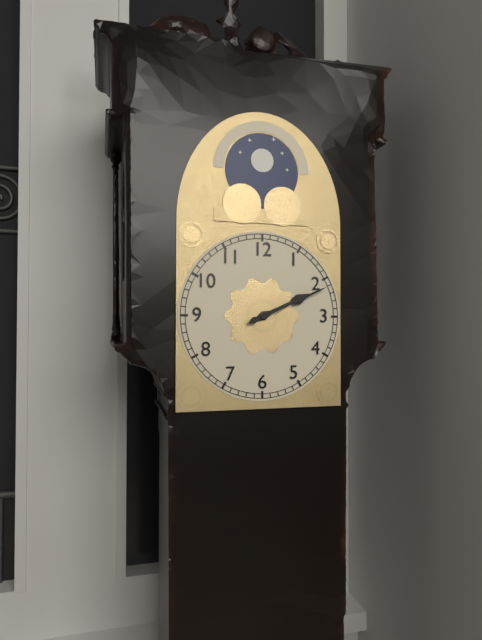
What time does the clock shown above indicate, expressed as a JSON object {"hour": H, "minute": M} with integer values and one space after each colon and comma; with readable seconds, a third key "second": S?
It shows {"hour": 2, "minute": 11}
